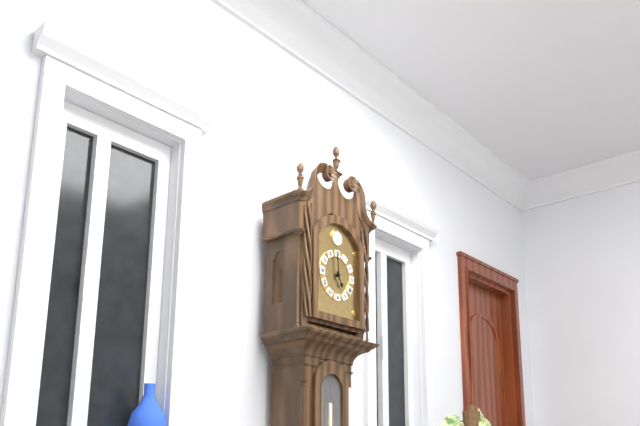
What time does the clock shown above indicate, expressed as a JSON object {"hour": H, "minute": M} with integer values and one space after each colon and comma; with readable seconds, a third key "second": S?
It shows {"hour": 4, "minute": 59}
